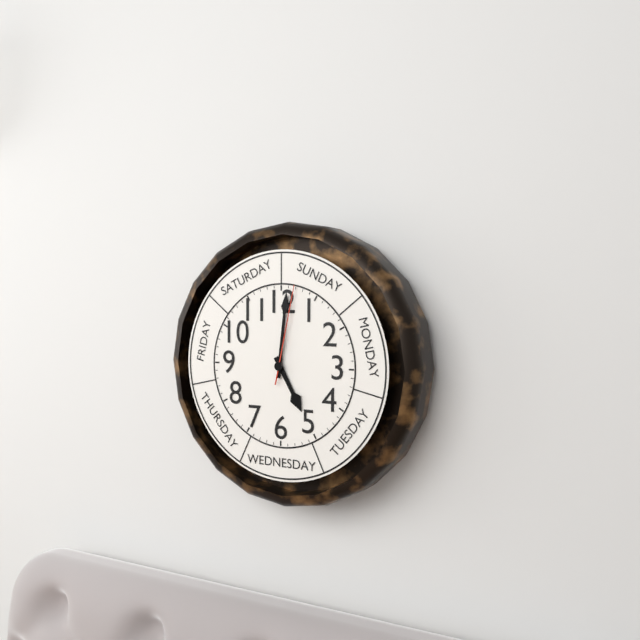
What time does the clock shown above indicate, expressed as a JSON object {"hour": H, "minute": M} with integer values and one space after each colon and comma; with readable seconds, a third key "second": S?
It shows {"hour": 5, "minute": 1, "second": 2}
